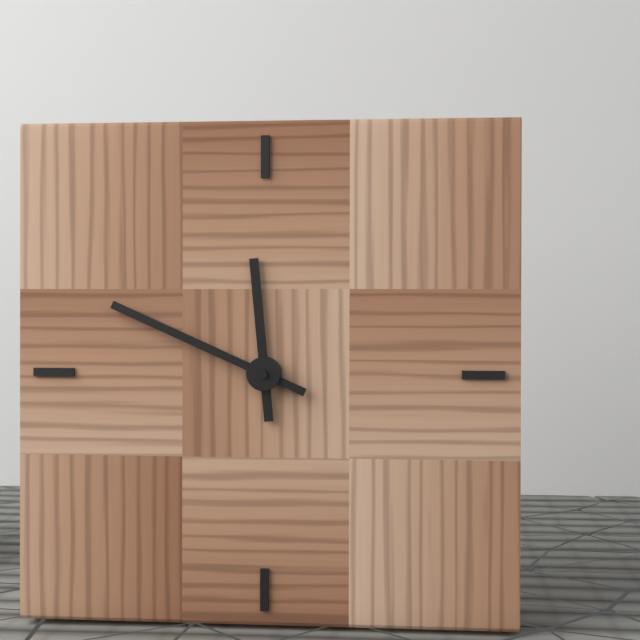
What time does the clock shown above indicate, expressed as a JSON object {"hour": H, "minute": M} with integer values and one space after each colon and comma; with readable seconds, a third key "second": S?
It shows {"hour": 11, "minute": 49}
